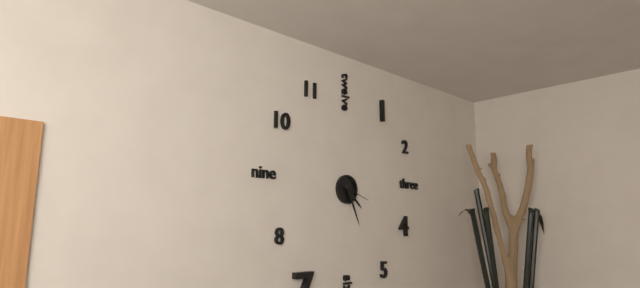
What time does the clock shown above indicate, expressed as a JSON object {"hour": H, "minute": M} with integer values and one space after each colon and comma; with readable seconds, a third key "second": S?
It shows {"hour": 4, "minute": 26}
